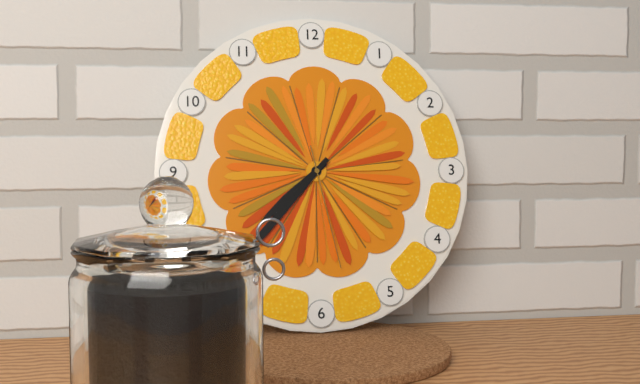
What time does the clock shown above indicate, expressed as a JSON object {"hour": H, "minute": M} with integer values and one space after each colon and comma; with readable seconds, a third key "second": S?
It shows {"hour": 7, "minute": 37, "second": 28}
